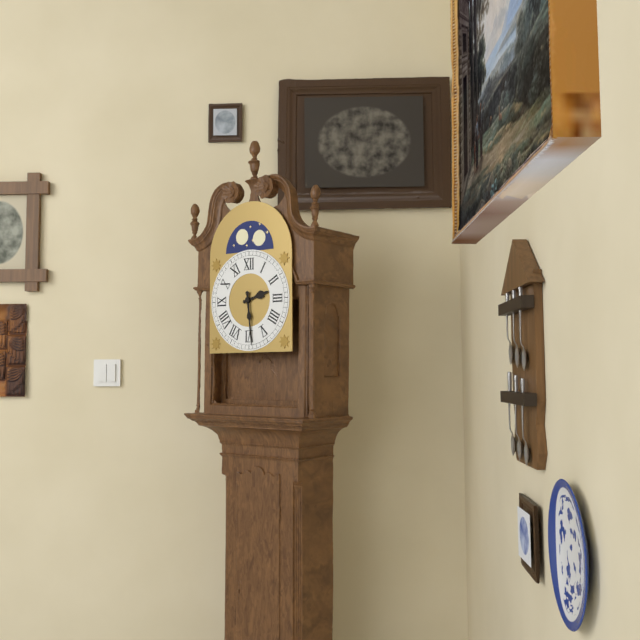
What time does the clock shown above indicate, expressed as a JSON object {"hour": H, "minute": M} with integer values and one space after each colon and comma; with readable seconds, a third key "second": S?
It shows {"hour": 2, "minute": 29}
